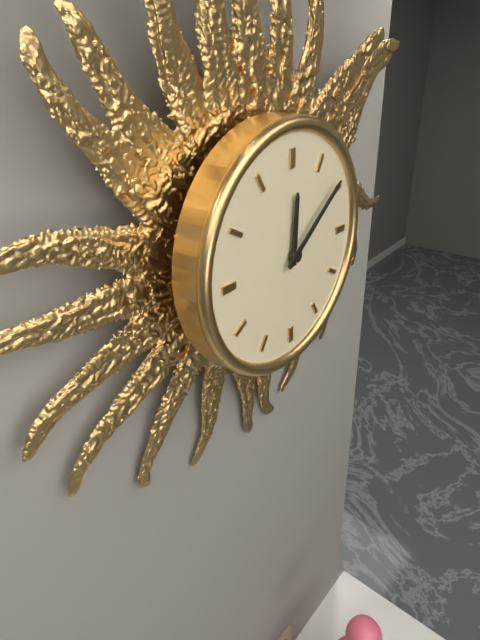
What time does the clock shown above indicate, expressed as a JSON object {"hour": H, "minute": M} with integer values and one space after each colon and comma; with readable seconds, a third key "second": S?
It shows {"hour": 12, "minute": 9}
